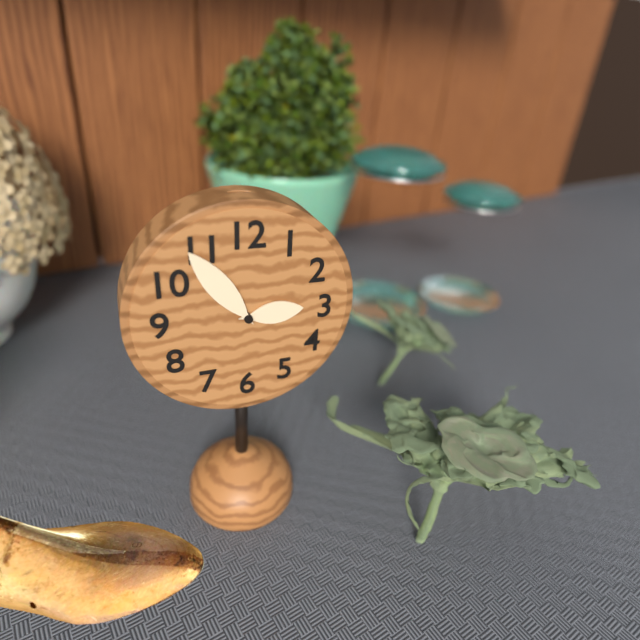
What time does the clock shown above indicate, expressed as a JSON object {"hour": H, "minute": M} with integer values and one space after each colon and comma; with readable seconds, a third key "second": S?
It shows {"hour": 2, "minute": 54}
